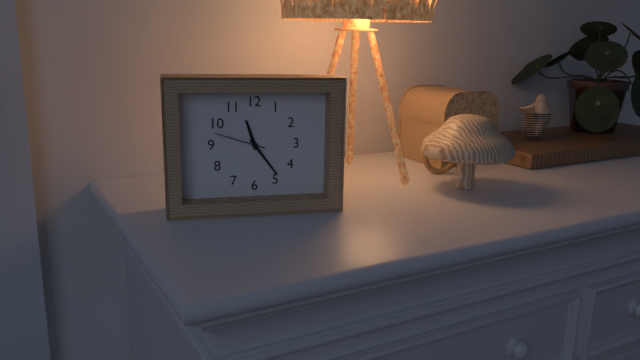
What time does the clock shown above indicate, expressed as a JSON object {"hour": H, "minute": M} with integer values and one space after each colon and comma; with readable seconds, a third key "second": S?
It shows {"hour": 11, "minute": 24, "second": 48}
